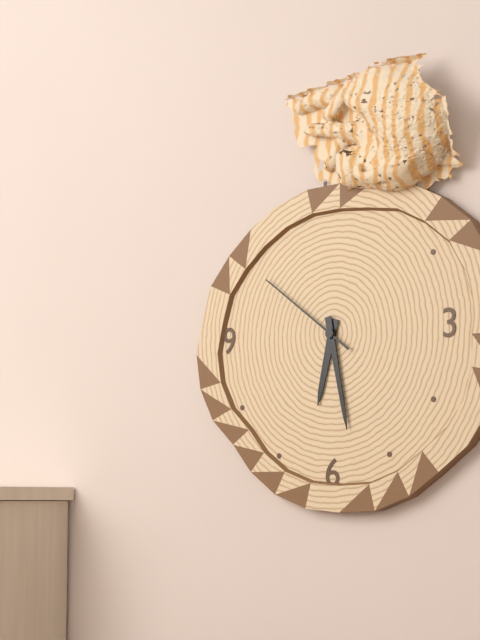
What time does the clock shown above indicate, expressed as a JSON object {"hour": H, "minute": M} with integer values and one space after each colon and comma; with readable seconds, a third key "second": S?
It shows {"hour": 6, "minute": 28, "second": 51}
